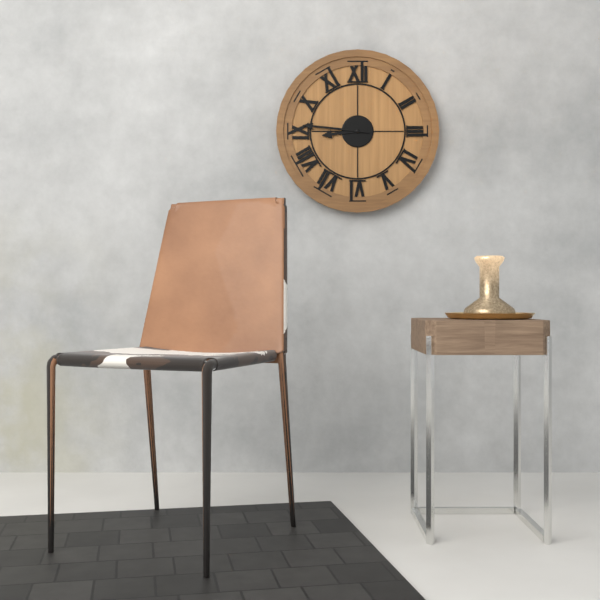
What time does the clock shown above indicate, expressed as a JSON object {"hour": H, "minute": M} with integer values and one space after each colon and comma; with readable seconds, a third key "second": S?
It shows {"hour": 8, "minute": 46}
